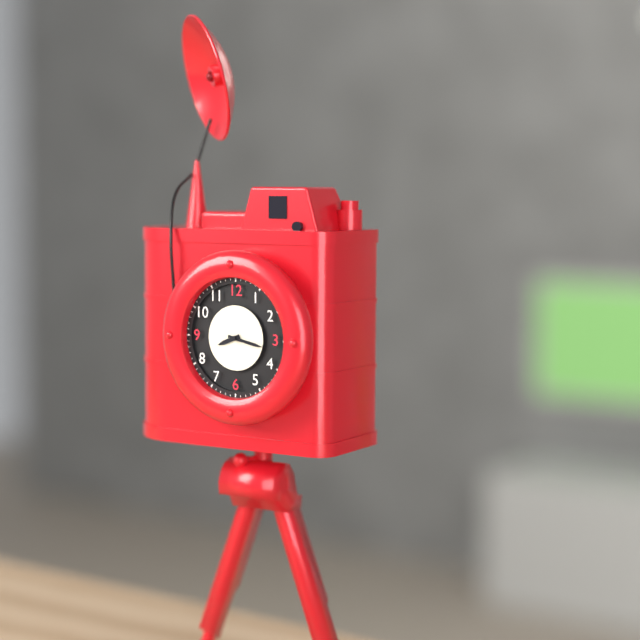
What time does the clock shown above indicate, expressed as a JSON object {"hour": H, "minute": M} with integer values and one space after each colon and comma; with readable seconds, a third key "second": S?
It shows {"hour": 8, "minute": 17}
